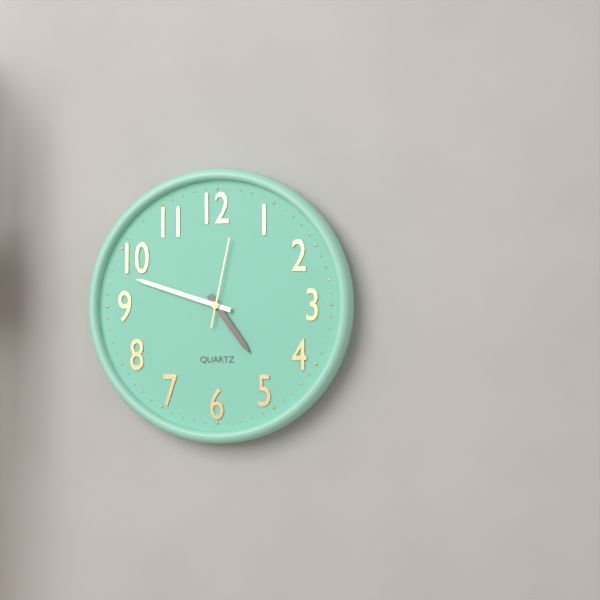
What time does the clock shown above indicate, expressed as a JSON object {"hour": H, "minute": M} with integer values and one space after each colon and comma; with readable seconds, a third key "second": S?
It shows {"hour": 4, "minute": 48, "second": 2}
